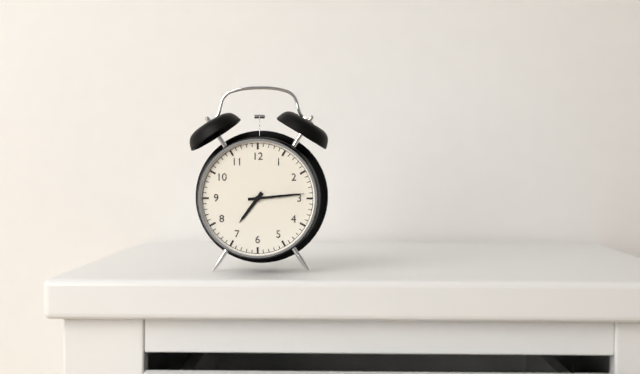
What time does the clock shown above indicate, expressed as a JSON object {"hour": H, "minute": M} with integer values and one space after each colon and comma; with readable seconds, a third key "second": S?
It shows {"hour": 7, "minute": 14}
